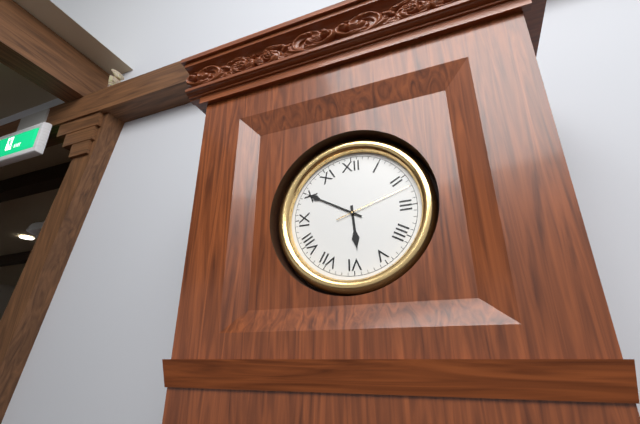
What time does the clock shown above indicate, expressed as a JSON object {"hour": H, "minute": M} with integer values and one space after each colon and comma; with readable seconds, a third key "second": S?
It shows {"hour": 5, "minute": 50, "second": 12}
